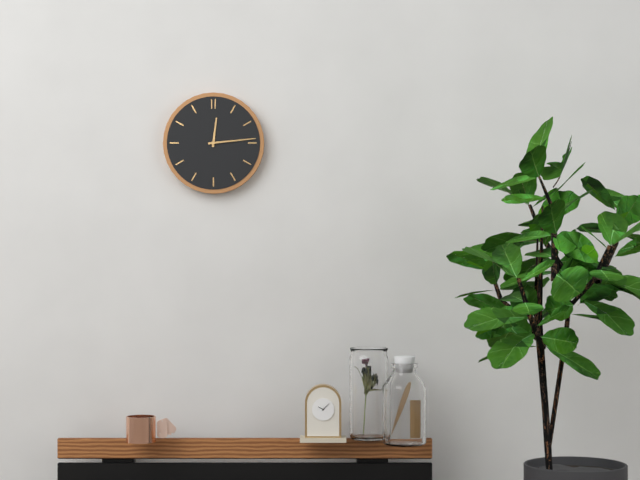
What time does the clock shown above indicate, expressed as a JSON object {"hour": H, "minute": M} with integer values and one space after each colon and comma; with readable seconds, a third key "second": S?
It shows {"hour": 12, "minute": 14}
